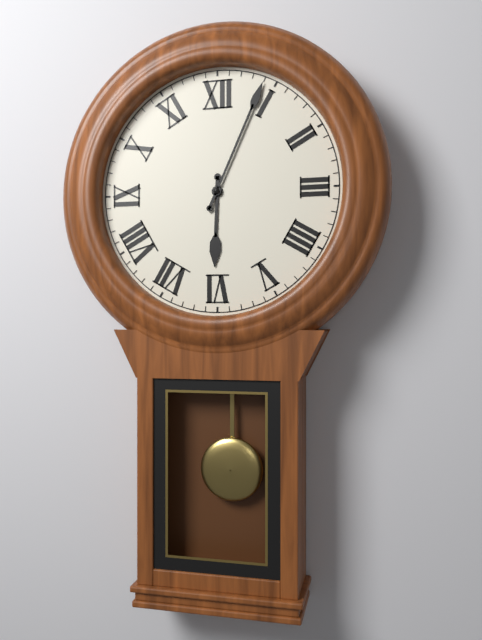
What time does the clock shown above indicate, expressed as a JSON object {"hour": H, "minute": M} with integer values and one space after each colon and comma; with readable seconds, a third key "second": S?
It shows {"hour": 6, "minute": 4}
